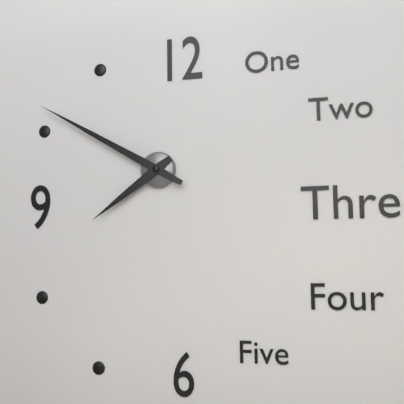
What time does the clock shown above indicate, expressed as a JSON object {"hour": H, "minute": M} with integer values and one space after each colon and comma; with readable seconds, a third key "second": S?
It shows {"hour": 7, "minute": 50}
